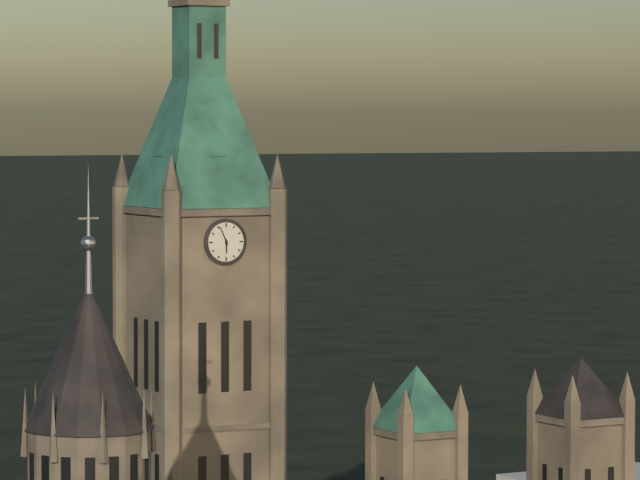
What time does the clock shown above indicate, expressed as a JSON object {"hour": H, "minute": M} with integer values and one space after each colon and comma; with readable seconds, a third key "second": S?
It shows {"hour": 5, "minute": 56}
